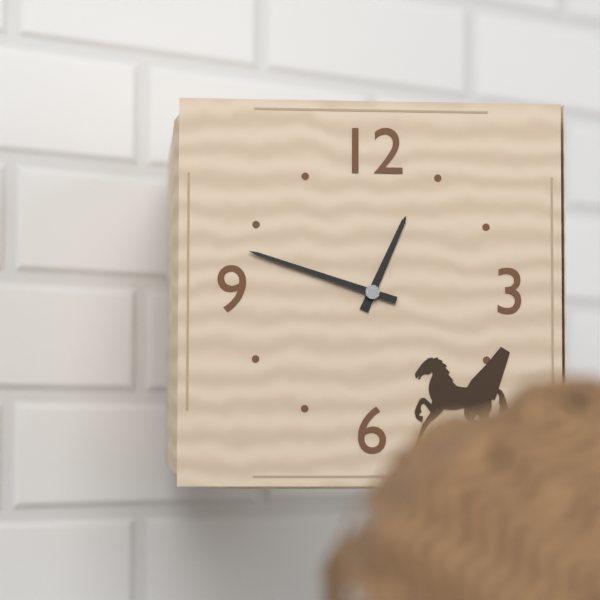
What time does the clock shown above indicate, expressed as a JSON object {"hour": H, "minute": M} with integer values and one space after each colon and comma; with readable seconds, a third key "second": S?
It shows {"hour": 12, "minute": 48}
